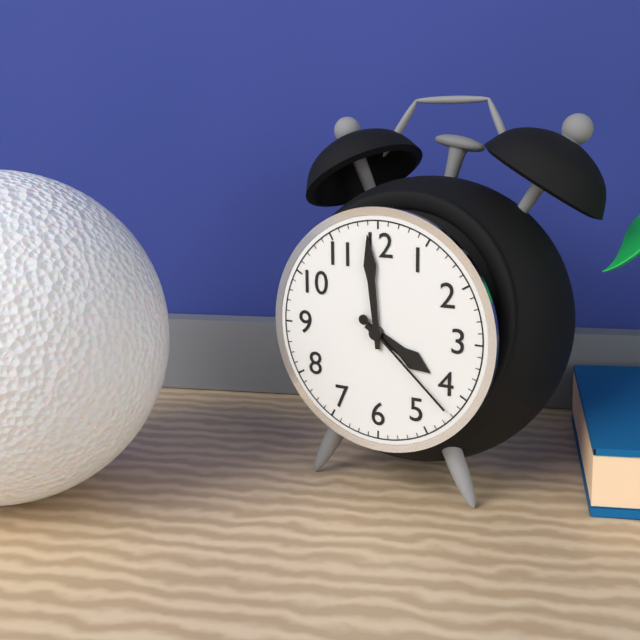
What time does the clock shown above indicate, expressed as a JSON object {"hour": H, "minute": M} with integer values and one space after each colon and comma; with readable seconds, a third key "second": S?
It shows {"hour": 3, "minute": 59, "second": 22}
